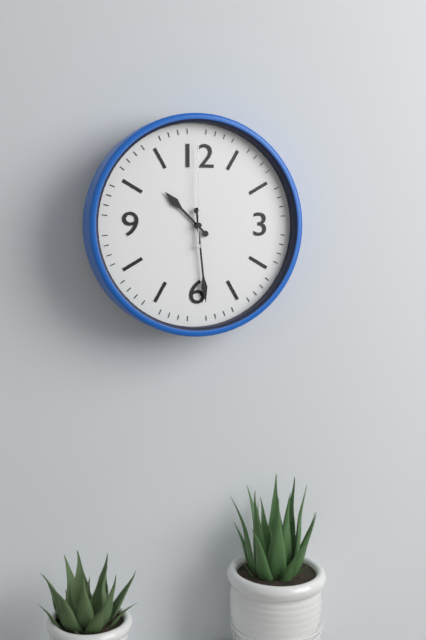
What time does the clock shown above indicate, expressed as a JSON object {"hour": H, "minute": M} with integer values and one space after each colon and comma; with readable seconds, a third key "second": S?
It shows {"hour": 10, "minute": 29, "second": 0}
